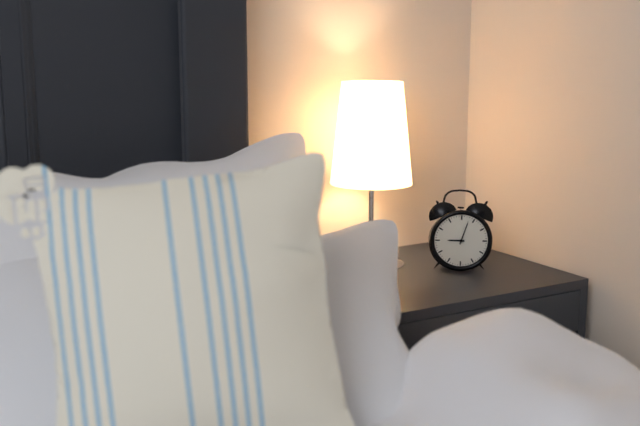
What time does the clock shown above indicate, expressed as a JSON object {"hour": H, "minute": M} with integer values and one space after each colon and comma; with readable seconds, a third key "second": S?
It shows {"hour": 9, "minute": 3}
